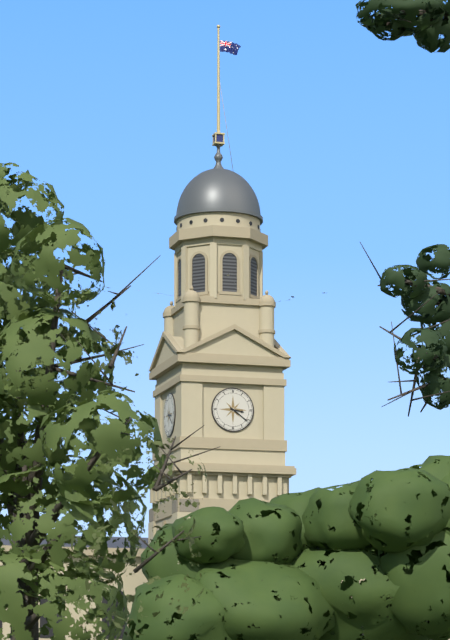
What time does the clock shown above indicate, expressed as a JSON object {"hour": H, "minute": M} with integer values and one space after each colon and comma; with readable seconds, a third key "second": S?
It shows {"hour": 3, "minute": 21}
